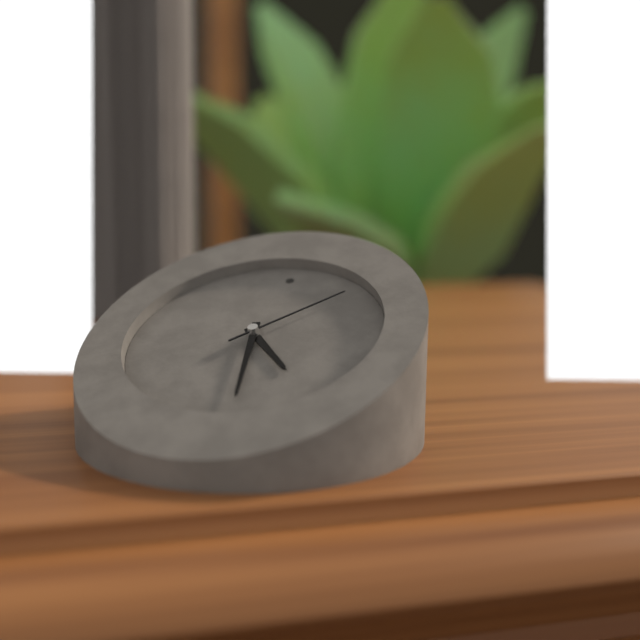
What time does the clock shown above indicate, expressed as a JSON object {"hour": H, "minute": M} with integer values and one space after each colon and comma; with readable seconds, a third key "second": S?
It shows {"hour": 4, "minute": 28, "second": 7}
